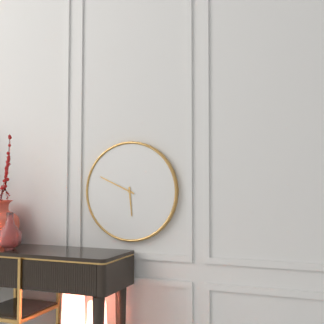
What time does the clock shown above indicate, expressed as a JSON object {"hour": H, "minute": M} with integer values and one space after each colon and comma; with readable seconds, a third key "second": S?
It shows {"hour": 5, "minute": 49}
